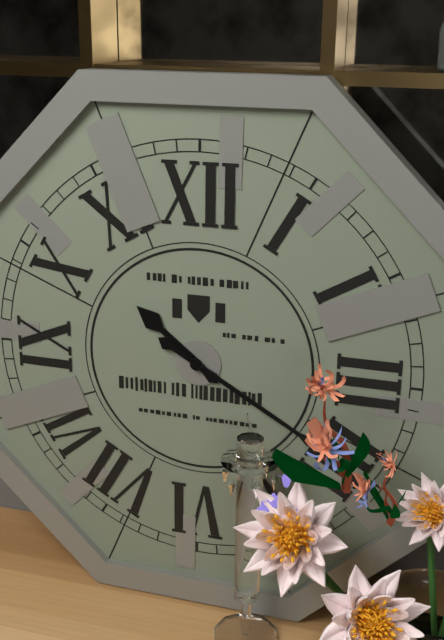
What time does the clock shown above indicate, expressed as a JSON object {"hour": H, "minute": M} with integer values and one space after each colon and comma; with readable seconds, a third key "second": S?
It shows {"hour": 10, "minute": 20}
